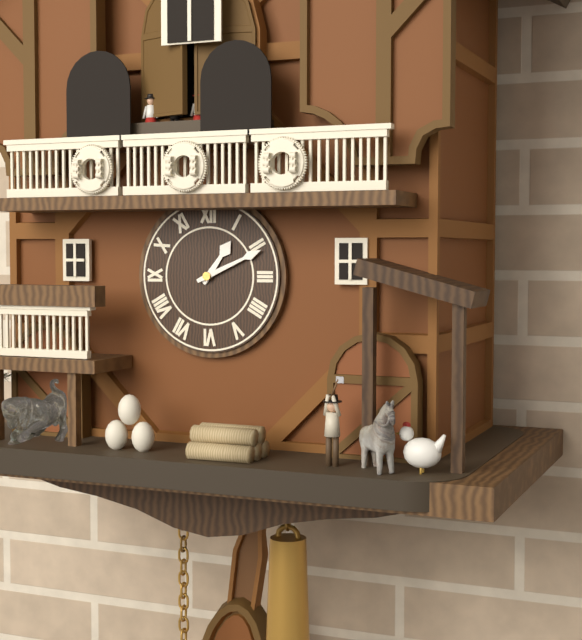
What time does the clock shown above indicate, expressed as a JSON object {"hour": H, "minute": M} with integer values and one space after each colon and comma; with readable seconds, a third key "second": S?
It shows {"hour": 1, "minute": 11}
